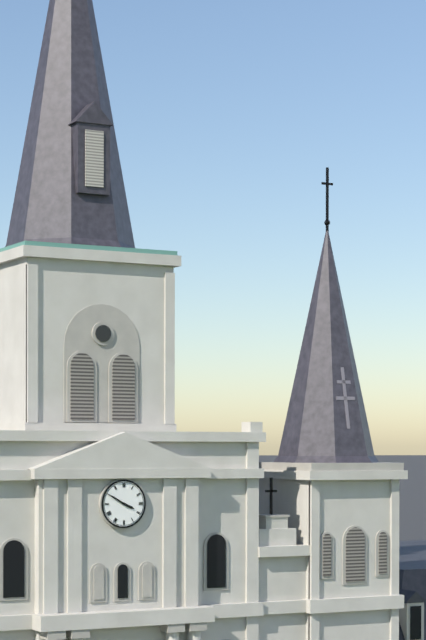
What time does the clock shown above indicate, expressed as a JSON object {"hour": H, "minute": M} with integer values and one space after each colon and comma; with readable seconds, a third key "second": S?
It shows {"hour": 3, "minute": 50}
